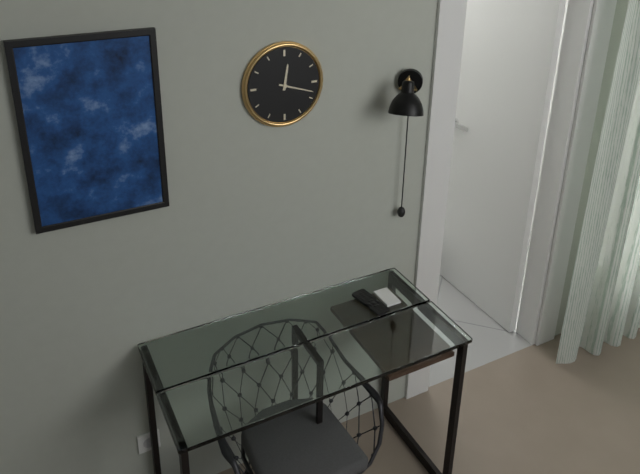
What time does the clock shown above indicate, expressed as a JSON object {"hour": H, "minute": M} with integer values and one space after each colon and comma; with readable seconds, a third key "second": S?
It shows {"hour": 12, "minute": 18}
